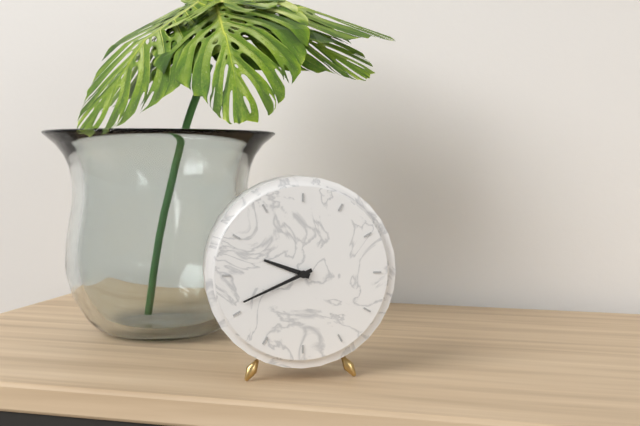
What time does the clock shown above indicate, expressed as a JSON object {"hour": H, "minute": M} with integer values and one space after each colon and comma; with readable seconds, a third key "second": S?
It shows {"hour": 9, "minute": 41}
